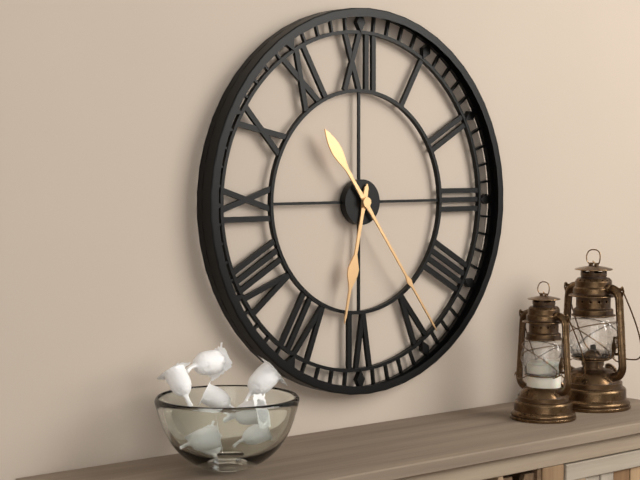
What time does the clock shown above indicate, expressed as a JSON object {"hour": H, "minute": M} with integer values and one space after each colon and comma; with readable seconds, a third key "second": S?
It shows {"hour": 6, "minute": 24}
